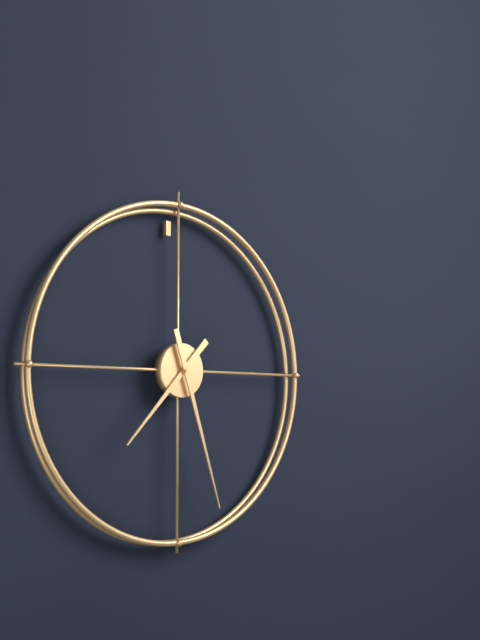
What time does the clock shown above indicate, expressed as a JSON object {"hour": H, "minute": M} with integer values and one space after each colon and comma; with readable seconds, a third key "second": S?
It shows {"hour": 7, "minute": 27}
